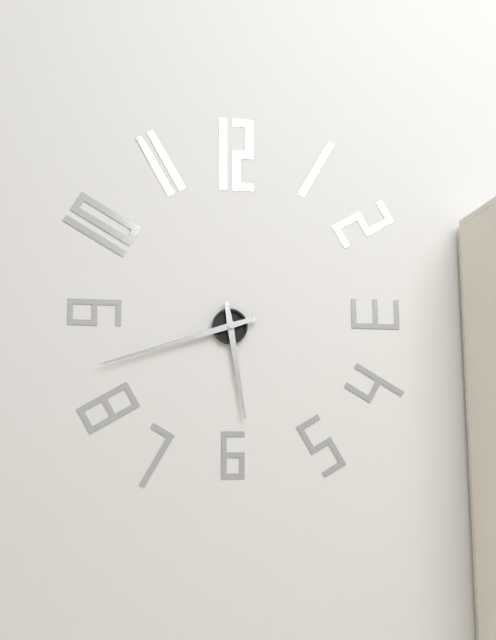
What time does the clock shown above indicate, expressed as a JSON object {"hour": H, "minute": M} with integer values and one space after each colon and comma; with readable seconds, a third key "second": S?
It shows {"hour": 5, "minute": 42}
